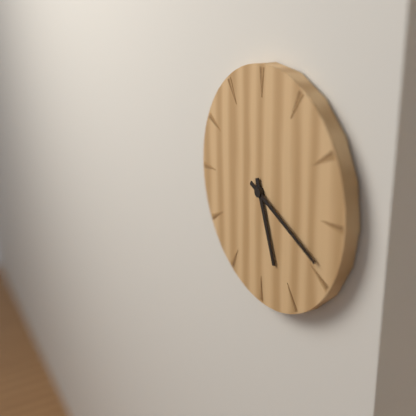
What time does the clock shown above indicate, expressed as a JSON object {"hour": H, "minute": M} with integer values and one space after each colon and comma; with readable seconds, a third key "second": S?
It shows {"hour": 5, "minute": 19}
